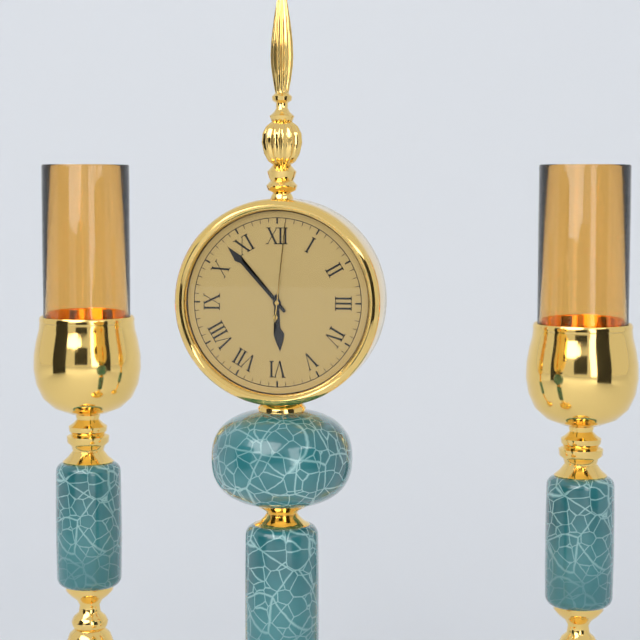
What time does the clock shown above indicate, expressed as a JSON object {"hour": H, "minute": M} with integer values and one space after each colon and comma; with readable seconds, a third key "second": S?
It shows {"hour": 5, "minute": 53, "second": 1}
